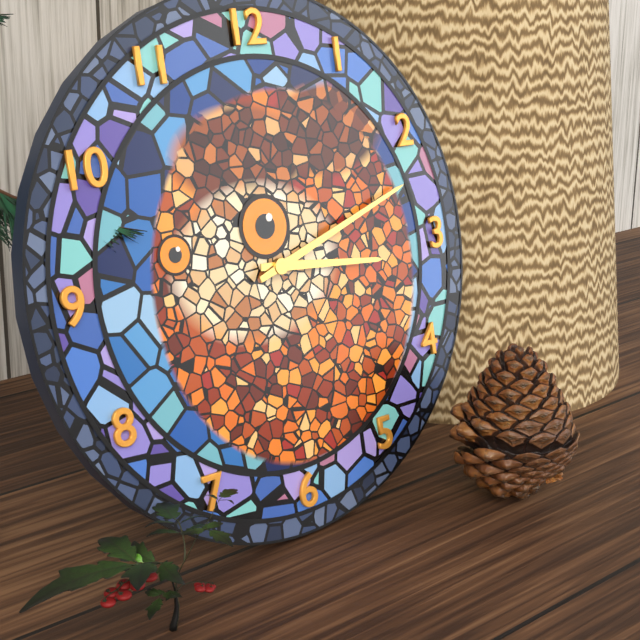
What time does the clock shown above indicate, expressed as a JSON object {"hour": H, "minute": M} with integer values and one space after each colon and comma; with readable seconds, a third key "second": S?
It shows {"hour": 3, "minute": 12}
